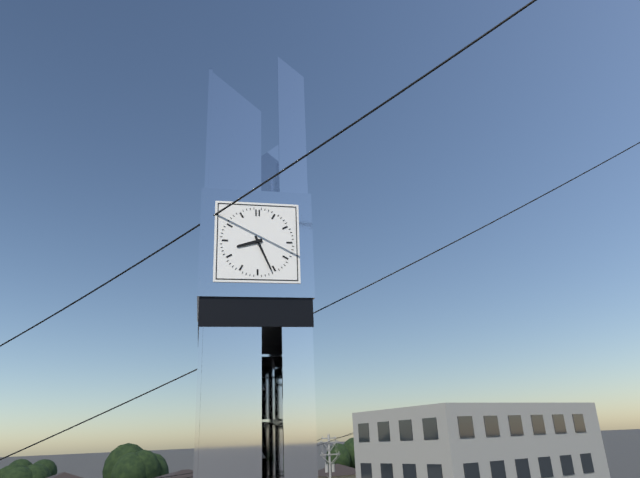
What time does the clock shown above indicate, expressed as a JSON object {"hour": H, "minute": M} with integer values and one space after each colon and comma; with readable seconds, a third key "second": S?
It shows {"hour": 8, "minute": 26}
